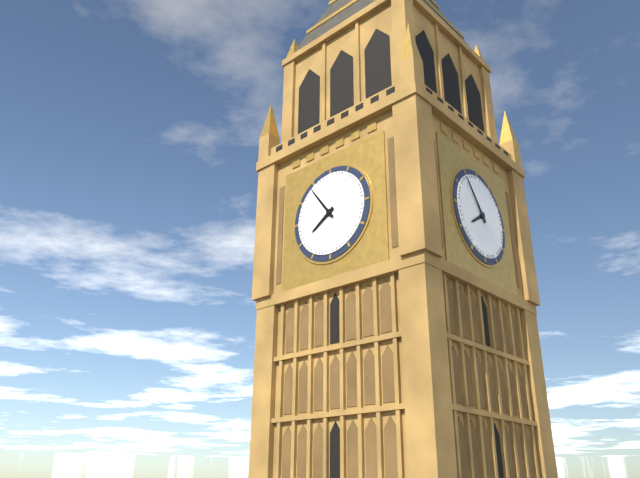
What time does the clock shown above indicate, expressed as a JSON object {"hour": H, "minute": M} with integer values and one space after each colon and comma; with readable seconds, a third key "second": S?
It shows {"hour": 7, "minute": 54}
